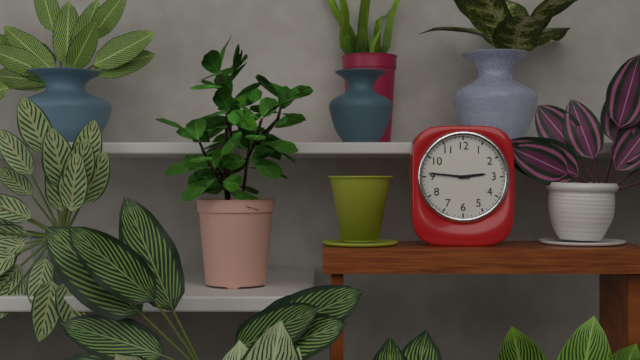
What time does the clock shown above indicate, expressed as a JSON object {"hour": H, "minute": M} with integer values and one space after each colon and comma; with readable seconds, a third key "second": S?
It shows {"hour": 2, "minute": 46}
